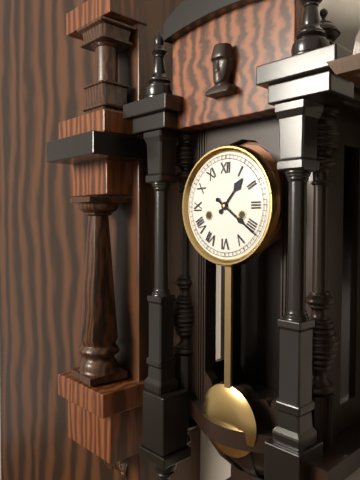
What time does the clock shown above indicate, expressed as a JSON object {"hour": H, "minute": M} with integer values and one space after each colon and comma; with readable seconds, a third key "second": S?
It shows {"hour": 1, "minute": 21}
